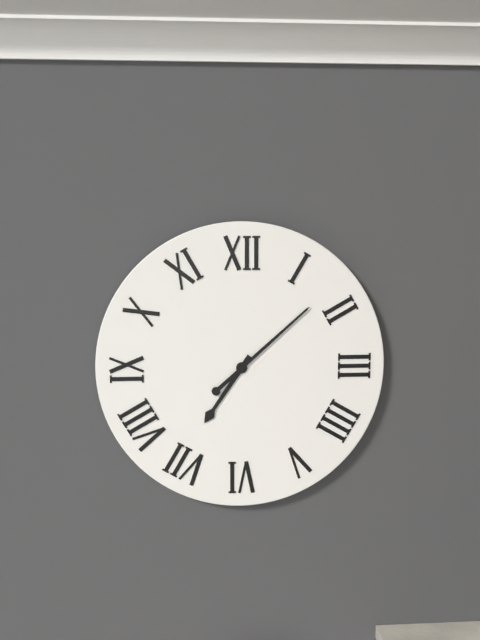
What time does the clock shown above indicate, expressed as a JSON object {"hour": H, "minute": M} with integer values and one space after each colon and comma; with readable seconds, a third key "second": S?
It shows {"hour": 7, "minute": 8}
